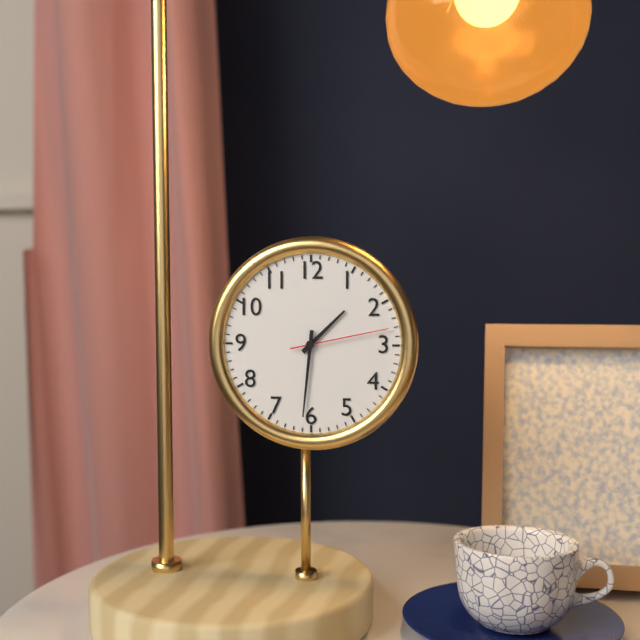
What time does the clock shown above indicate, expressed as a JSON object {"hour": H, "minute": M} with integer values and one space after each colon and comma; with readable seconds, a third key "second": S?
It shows {"hour": 1, "minute": 31, "second": 13}
